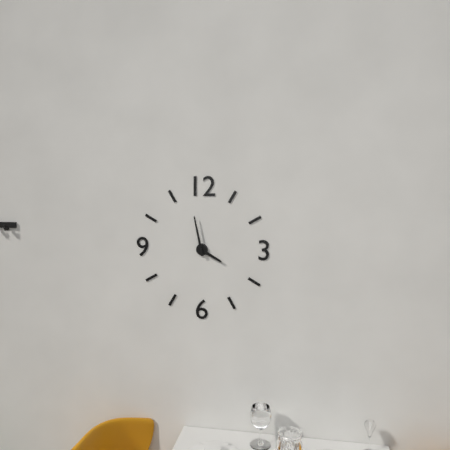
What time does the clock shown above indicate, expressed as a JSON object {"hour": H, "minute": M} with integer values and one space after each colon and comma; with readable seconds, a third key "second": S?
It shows {"hour": 3, "minute": 58}
